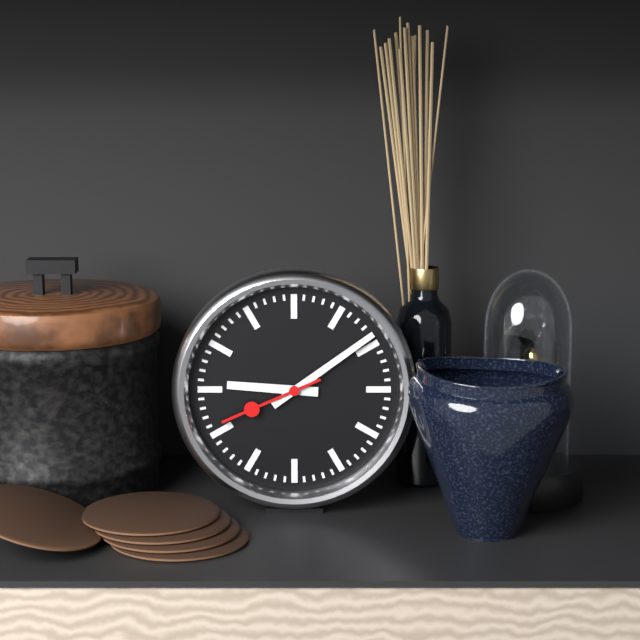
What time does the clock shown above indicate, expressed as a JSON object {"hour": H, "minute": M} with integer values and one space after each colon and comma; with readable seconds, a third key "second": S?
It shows {"hour": 9, "minute": 9, "second": 41}
